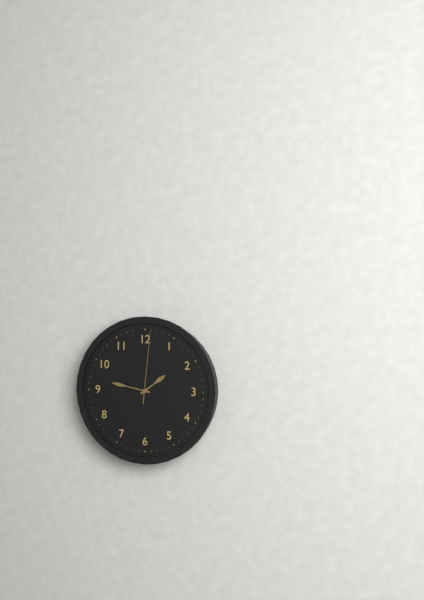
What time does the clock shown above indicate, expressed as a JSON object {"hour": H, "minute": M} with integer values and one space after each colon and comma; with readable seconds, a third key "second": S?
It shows {"hour": 1, "minute": 47, "second": 1}
